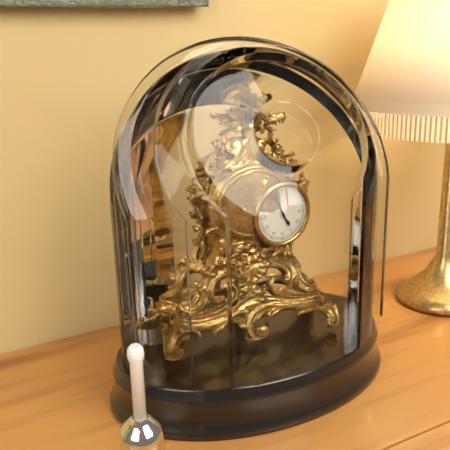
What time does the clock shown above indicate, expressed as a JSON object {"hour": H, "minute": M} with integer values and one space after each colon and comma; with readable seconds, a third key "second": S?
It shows {"hour": 4, "minute": 56}
